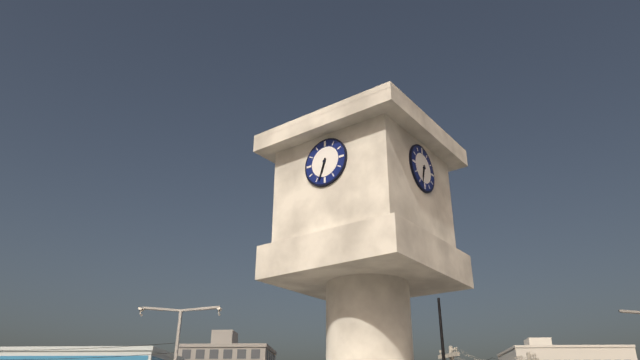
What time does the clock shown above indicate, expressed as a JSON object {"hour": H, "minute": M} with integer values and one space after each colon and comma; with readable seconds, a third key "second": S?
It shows {"hour": 6, "minute": 33}
